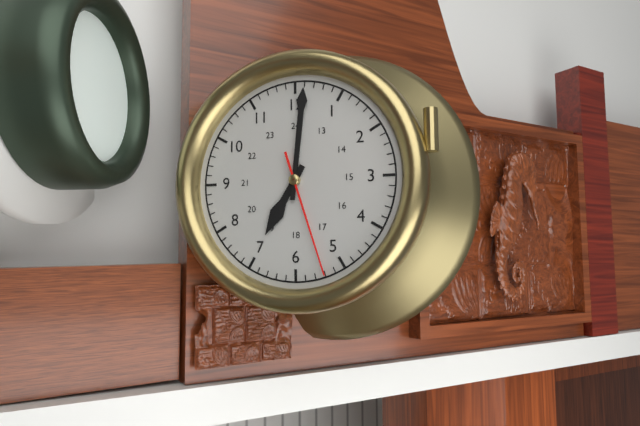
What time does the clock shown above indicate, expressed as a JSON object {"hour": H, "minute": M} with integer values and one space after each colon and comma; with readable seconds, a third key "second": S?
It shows {"hour": 7, "minute": 1, "second": 27}
